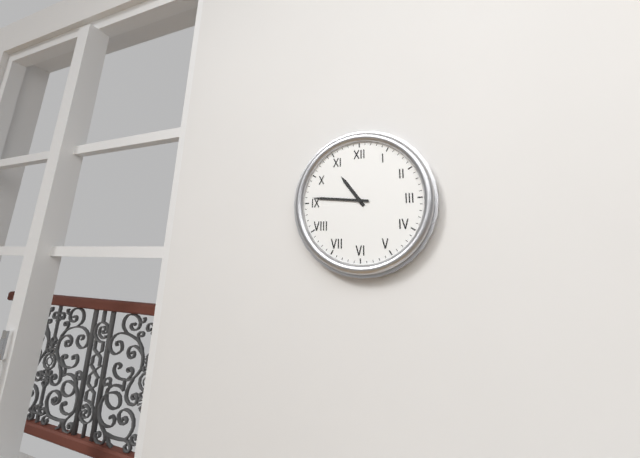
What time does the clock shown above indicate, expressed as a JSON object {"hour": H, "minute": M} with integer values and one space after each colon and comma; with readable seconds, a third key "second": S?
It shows {"hour": 10, "minute": 46}
